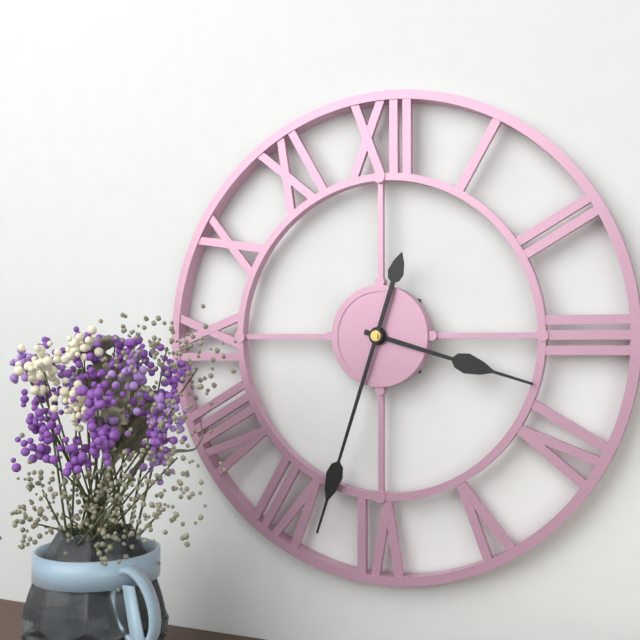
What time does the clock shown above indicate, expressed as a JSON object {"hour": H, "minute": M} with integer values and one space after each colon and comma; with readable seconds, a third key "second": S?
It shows {"hour": 3, "minute": 33}
